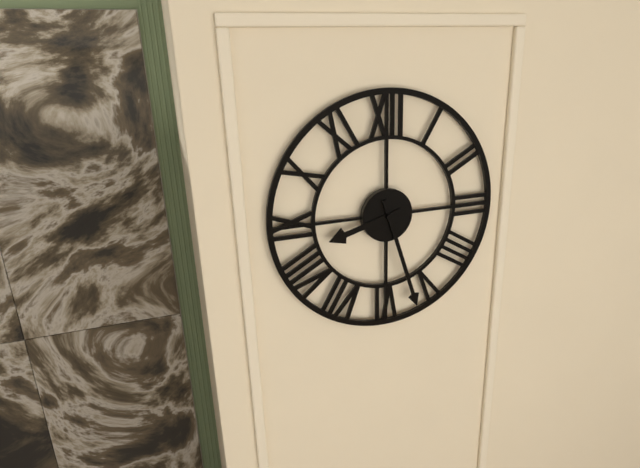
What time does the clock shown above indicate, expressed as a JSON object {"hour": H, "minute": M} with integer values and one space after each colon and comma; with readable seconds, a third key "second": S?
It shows {"hour": 8, "minute": 27}
